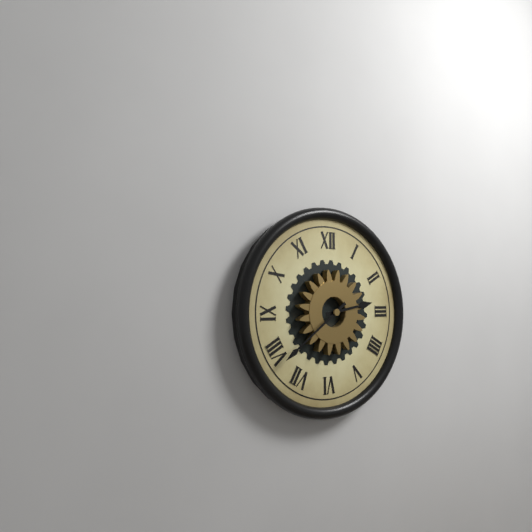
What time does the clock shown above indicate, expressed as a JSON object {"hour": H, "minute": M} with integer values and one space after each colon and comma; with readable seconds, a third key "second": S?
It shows {"hour": 2, "minute": 39}
